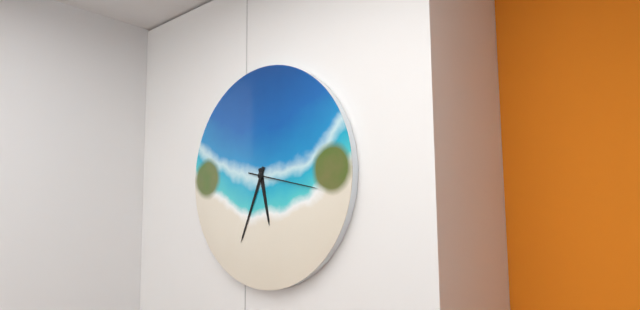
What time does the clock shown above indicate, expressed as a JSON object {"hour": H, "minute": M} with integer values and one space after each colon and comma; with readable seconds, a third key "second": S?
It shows {"hour": 5, "minute": 34, "second": 17}
